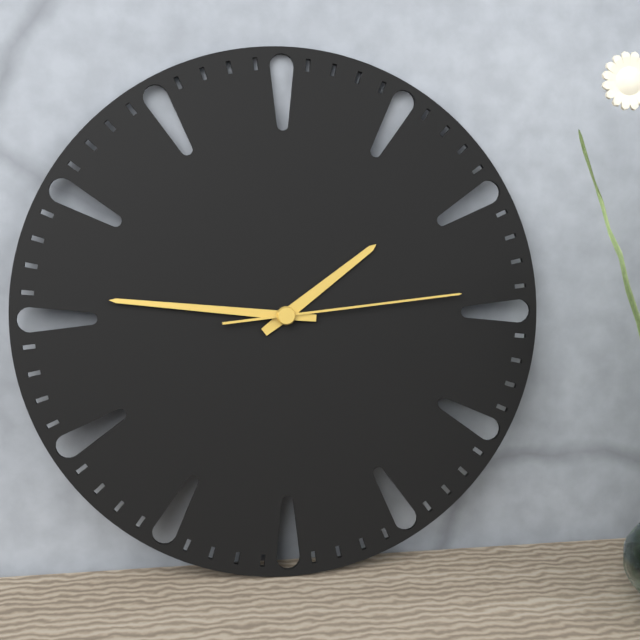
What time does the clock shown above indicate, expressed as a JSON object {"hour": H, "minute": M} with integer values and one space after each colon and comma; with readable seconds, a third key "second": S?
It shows {"hour": 1, "minute": 46, "second": 14}
